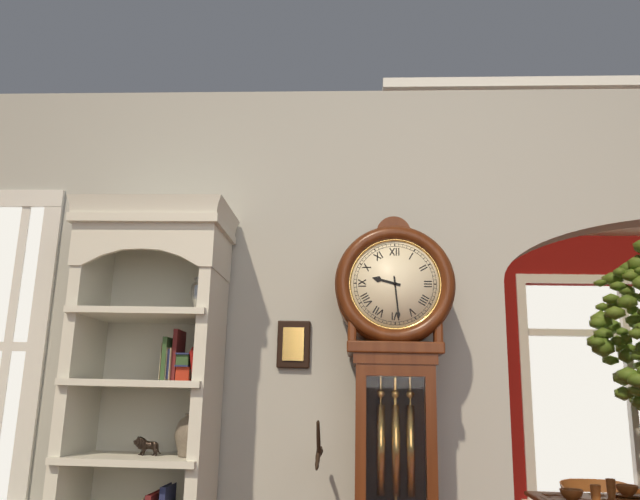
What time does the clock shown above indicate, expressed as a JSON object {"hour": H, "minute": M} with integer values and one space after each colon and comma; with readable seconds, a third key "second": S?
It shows {"hour": 9, "minute": 29}
